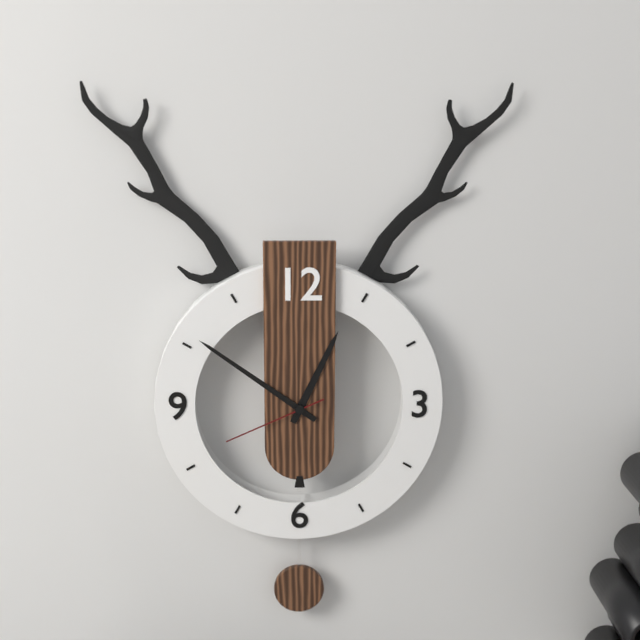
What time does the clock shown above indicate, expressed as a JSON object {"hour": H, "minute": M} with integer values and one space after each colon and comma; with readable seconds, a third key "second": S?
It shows {"hour": 12, "minute": 51, "second": 41}
